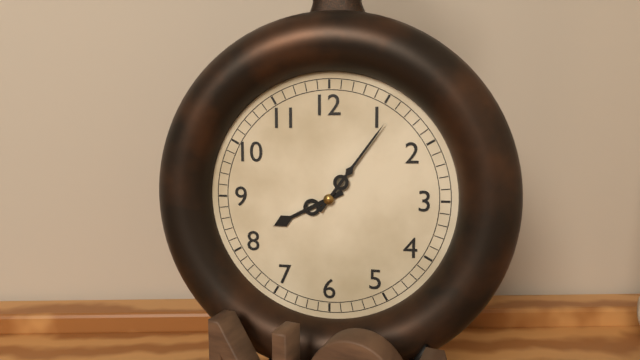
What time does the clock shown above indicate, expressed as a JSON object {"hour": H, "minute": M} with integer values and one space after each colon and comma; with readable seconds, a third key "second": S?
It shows {"hour": 8, "minute": 6}
